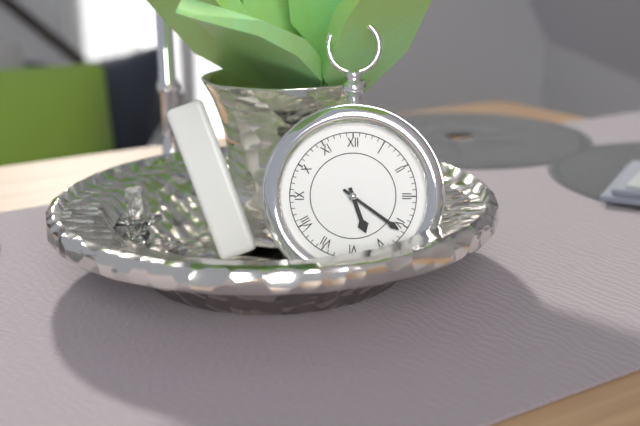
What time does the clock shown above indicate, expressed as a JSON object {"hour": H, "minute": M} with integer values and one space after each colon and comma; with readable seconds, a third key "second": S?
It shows {"hour": 5, "minute": 21}
